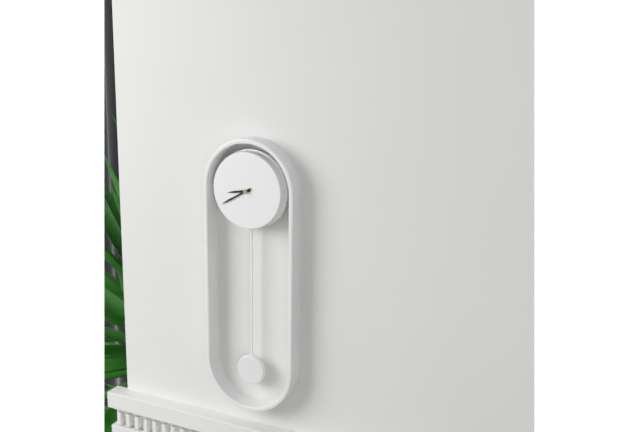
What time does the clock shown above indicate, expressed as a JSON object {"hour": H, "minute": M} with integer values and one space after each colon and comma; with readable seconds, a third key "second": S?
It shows {"hour": 8, "minute": 40}
